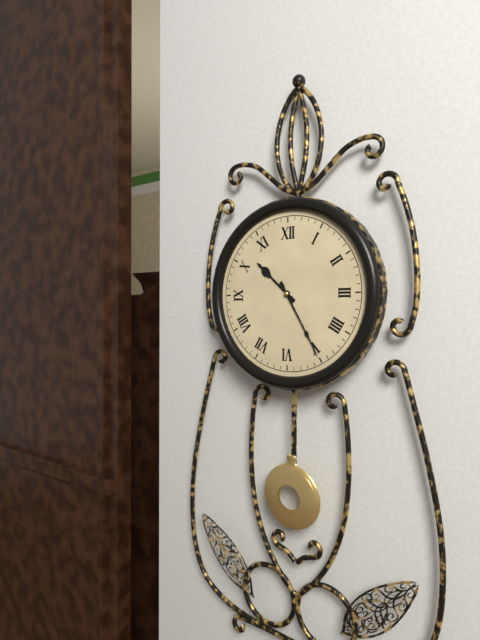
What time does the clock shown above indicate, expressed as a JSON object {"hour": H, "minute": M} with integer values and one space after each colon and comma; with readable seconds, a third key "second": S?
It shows {"hour": 10, "minute": 25}
